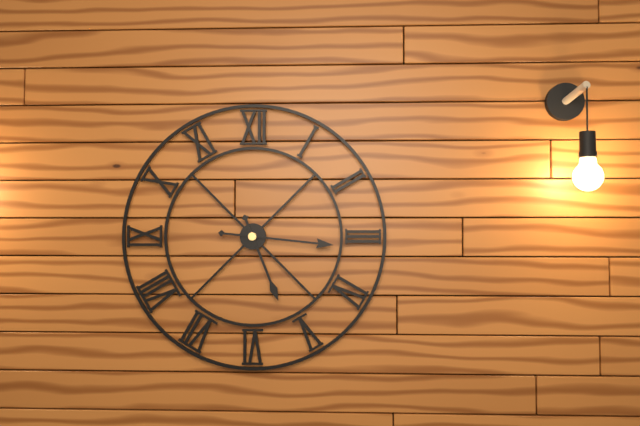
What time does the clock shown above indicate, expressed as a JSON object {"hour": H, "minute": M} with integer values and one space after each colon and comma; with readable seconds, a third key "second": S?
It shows {"hour": 5, "minute": 16}
